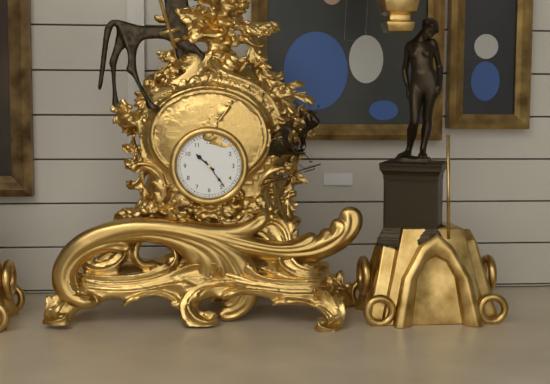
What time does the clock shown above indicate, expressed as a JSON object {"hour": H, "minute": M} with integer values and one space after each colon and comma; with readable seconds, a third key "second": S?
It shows {"hour": 10, "minute": 24}
